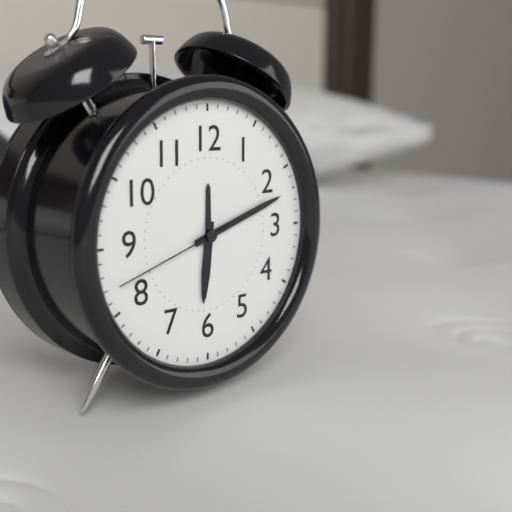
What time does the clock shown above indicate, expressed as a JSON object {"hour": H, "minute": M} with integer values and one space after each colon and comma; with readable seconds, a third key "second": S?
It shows {"hour": 6, "minute": 12, "second": 42}
